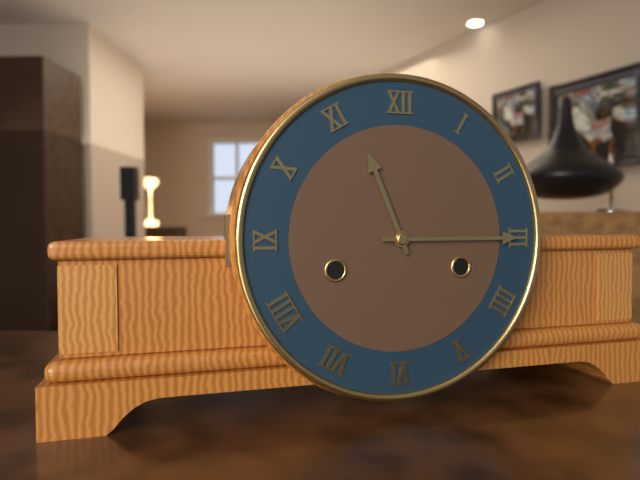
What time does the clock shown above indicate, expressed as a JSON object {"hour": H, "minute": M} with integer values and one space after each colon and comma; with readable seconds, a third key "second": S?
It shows {"hour": 11, "minute": 15}
